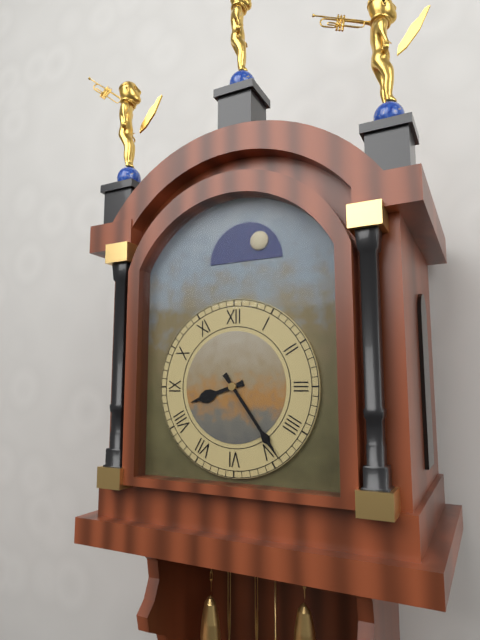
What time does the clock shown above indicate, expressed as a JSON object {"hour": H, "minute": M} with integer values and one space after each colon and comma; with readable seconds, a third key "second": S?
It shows {"hour": 8, "minute": 24}
